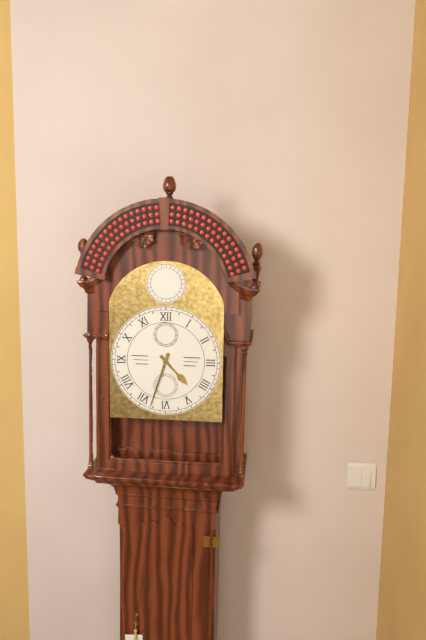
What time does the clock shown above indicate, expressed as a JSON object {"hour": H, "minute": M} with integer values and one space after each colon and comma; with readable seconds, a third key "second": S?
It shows {"hour": 4, "minute": 33}
